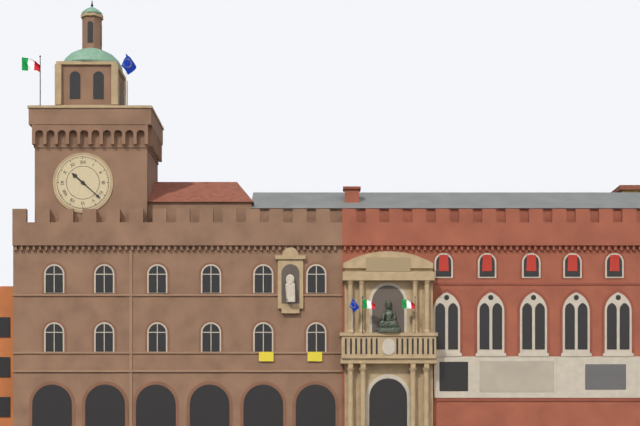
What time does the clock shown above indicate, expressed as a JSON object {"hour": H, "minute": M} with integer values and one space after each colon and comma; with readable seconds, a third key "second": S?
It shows {"hour": 10, "minute": 22}
